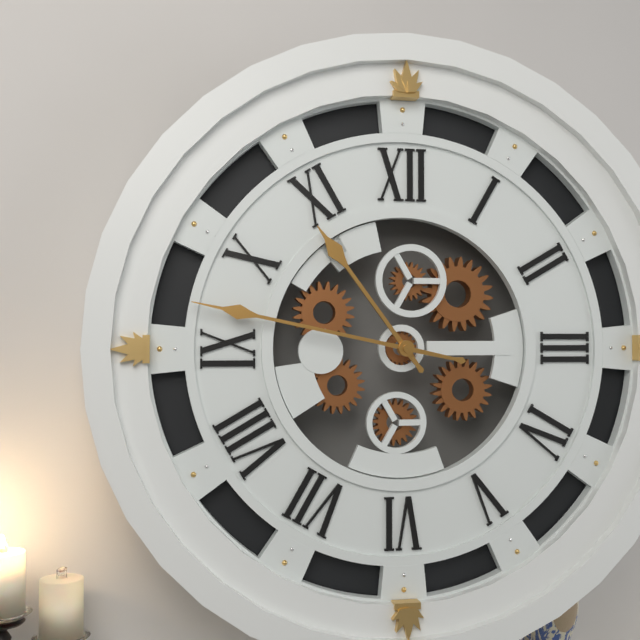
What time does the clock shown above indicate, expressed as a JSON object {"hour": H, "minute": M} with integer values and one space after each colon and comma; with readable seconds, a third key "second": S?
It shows {"hour": 10, "minute": 47}
